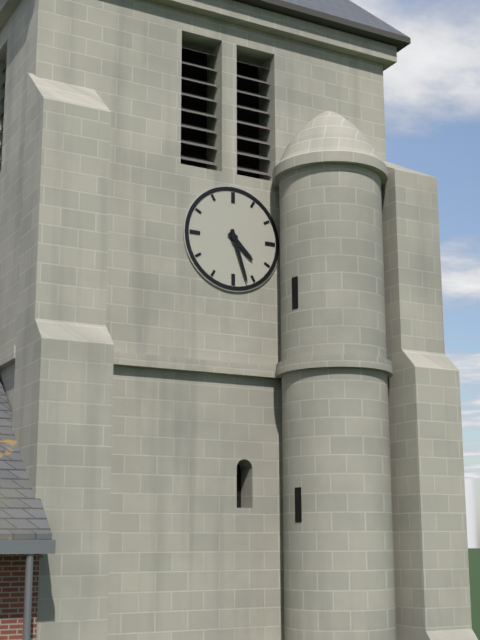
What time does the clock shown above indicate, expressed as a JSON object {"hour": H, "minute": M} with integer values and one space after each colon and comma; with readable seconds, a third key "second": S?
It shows {"hour": 4, "minute": 27}
